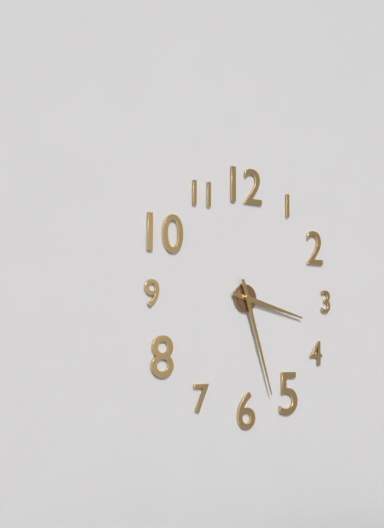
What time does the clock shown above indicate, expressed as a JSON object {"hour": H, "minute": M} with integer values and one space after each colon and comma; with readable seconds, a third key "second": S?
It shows {"hour": 3, "minute": 27}
